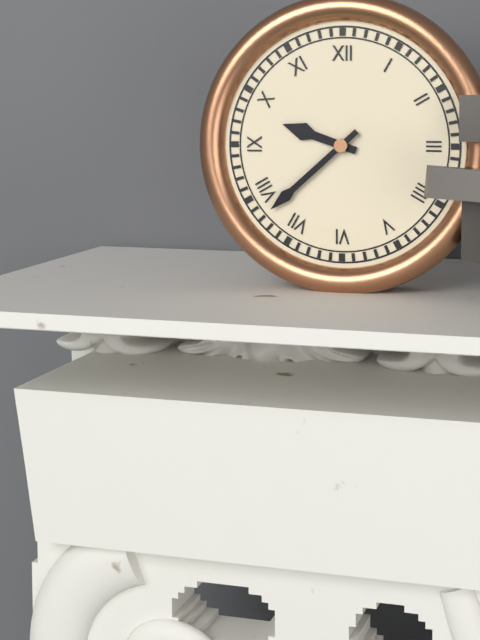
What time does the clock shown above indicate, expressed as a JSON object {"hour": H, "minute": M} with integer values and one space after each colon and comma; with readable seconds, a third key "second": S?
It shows {"hour": 9, "minute": 38}
